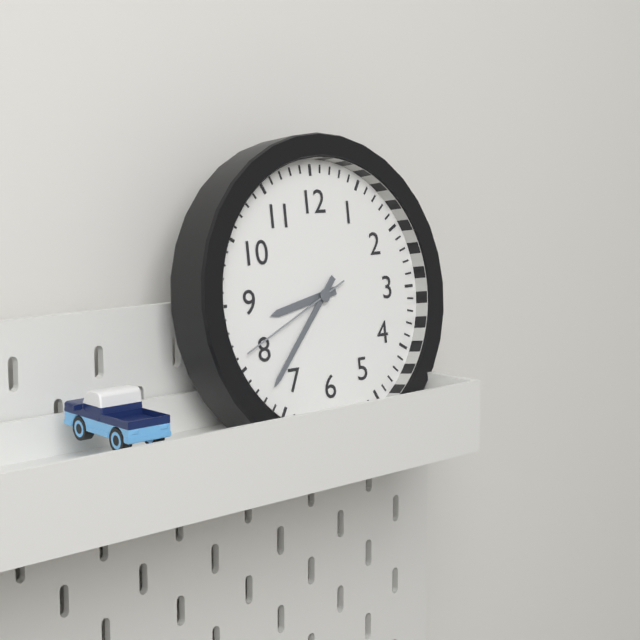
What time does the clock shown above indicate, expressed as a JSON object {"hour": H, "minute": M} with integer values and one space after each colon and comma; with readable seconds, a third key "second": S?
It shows {"hour": 8, "minute": 37, "second": 41}
